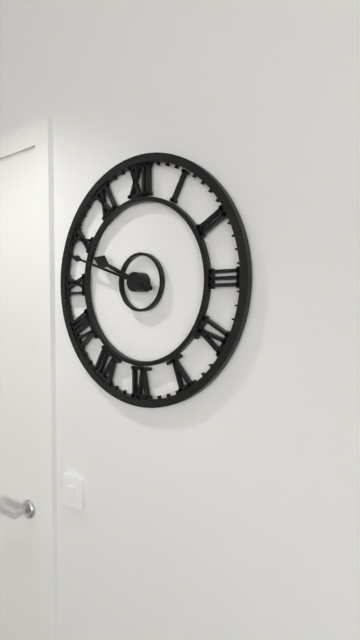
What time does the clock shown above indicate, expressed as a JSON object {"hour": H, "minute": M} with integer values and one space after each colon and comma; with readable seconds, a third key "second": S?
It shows {"hour": 9, "minute": 48}
